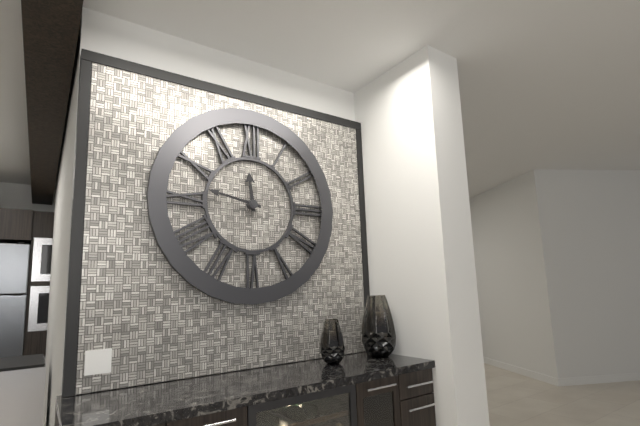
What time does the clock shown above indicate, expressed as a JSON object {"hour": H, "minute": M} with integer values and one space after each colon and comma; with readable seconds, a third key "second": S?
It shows {"hour": 11, "minute": 47}
